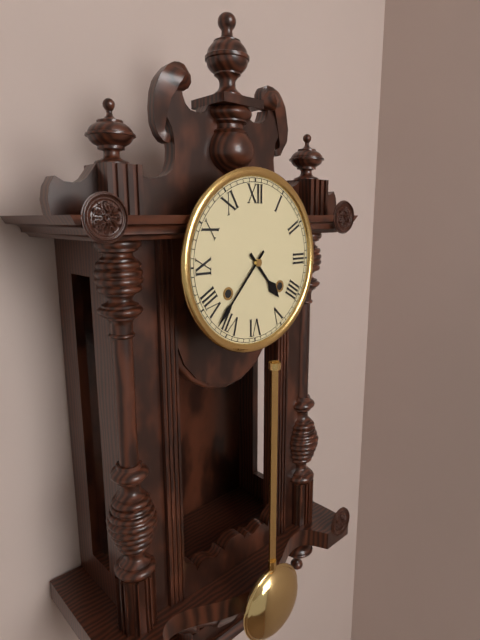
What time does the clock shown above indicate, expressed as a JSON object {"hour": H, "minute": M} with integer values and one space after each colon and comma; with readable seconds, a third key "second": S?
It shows {"hour": 4, "minute": 37}
